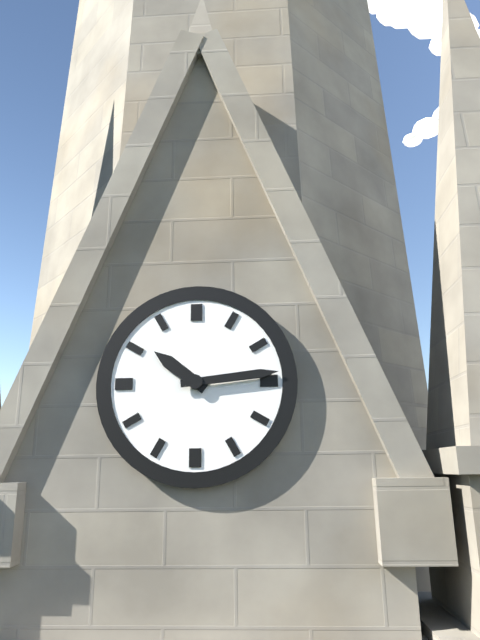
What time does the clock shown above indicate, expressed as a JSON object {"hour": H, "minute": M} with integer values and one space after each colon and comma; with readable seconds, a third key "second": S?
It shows {"hour": 10, "minute": 14}
